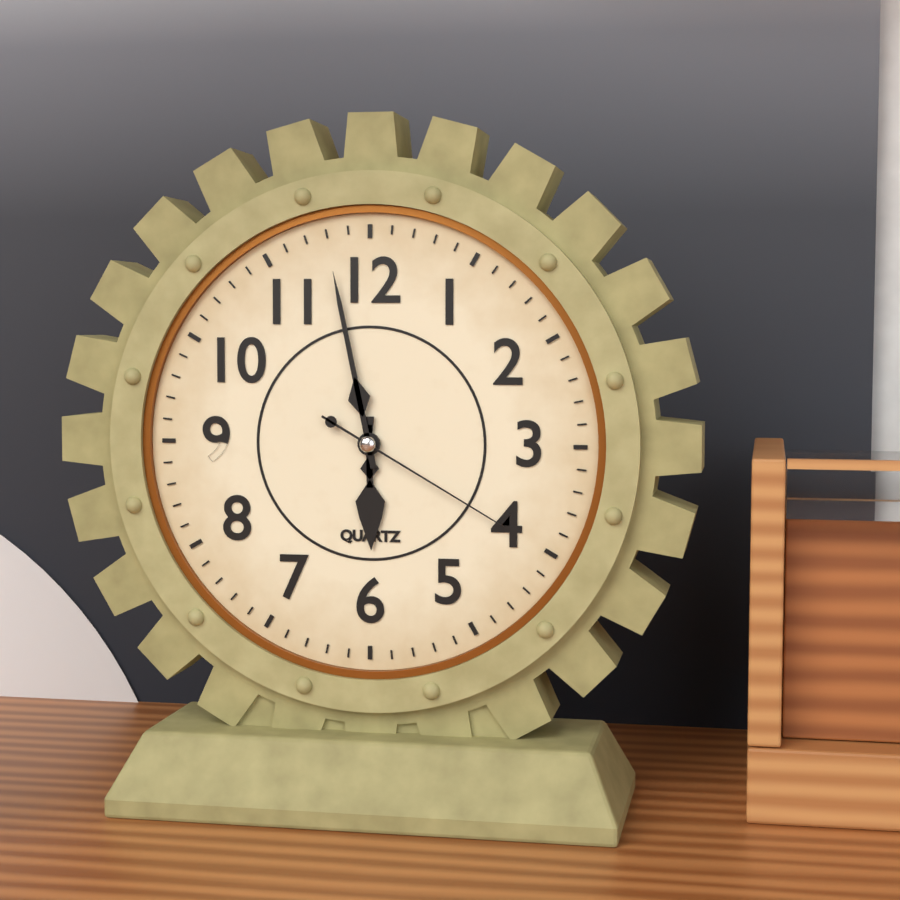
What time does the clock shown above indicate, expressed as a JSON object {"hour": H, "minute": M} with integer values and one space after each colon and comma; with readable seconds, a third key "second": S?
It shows {"hour": 5, "minute": 58, "second": 20}
